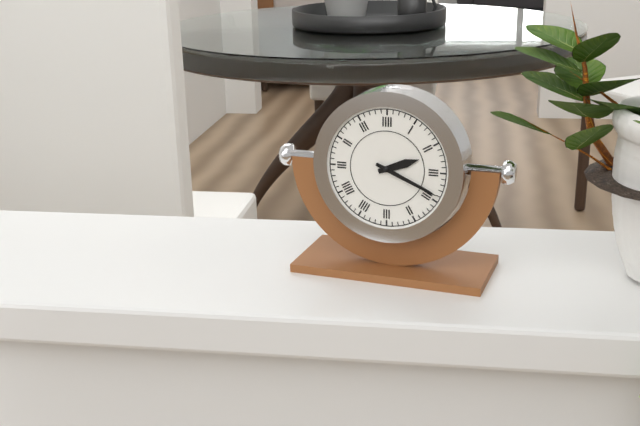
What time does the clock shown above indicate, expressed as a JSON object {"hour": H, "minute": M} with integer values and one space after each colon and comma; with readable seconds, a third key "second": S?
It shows {"hour": 2, "minute": 19}
